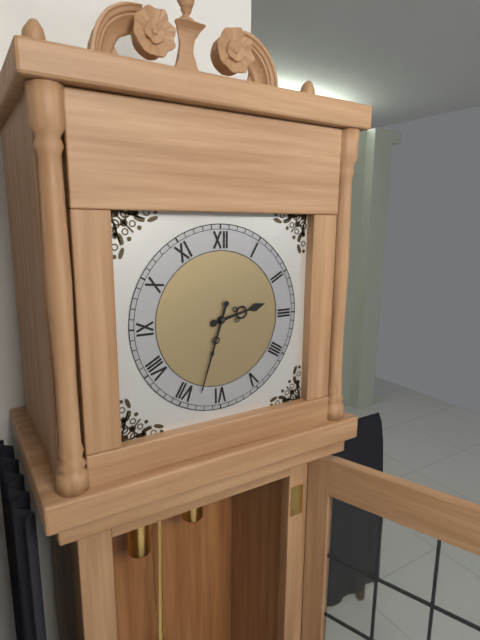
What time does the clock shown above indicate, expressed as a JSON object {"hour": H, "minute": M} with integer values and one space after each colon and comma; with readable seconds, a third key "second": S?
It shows {"hour": 2, "minute": 33}
